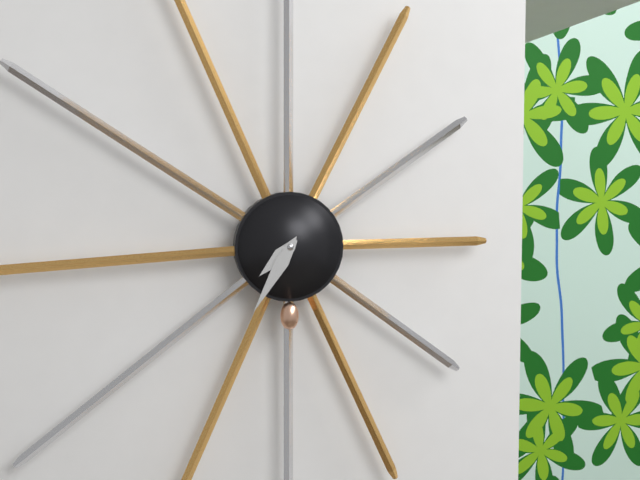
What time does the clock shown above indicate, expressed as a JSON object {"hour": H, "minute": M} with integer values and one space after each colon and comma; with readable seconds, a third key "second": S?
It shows {"hour": 7, "minute": 35}
